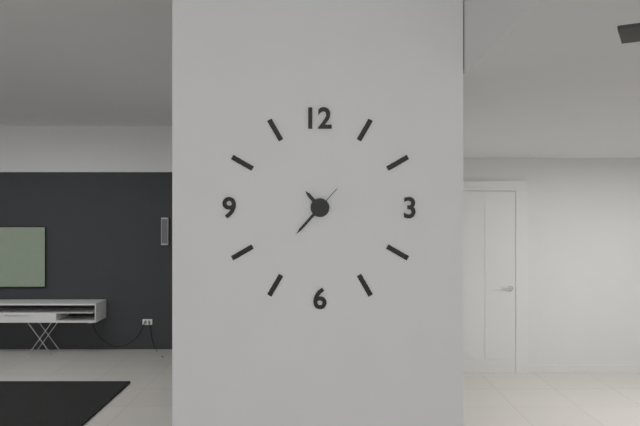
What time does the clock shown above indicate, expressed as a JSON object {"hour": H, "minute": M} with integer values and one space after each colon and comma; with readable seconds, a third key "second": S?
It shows {"hour": 10, "minute": 37}
